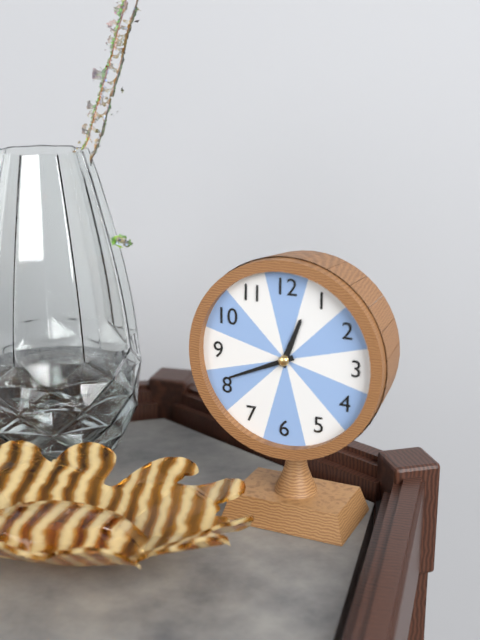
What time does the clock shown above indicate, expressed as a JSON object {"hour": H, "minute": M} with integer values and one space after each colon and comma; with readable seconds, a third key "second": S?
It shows {"hour": 12, "minute": 41}
